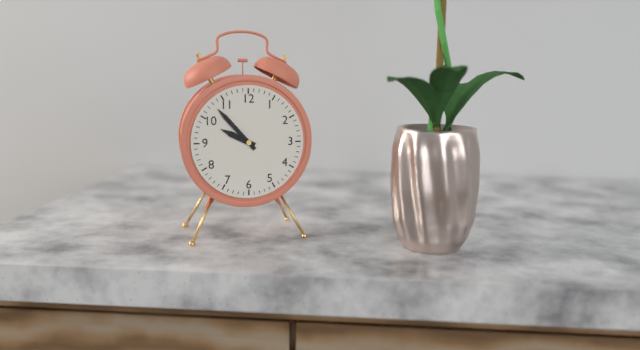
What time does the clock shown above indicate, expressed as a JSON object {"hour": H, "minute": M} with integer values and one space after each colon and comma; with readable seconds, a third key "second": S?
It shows {"hour": 9, "minute": 53}
